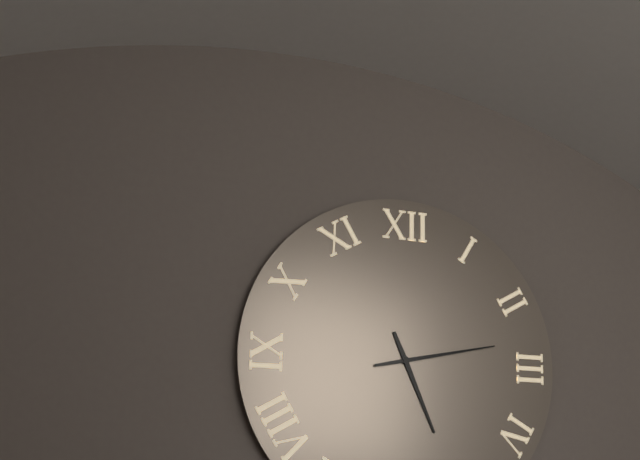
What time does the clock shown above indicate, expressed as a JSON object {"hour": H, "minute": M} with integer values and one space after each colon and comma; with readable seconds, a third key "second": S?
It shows {"hour": 5, "minute": 13}
